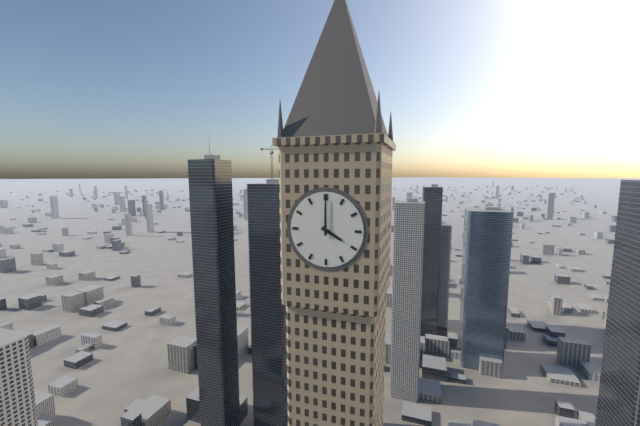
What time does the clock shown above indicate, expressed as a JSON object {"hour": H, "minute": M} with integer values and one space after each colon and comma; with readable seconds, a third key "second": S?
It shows {"hour": 4, "minute": 0}
